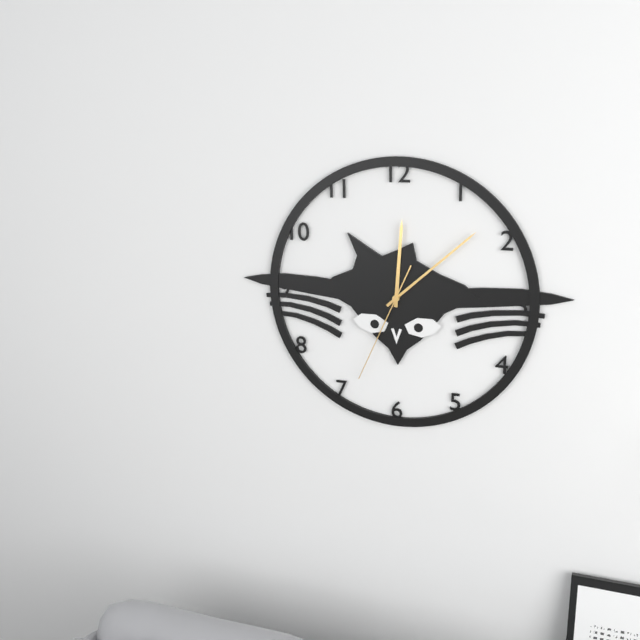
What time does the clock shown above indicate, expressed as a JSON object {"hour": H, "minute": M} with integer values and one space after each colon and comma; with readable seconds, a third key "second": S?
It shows {"hour": 12, "minute": 8, "second": 34}
